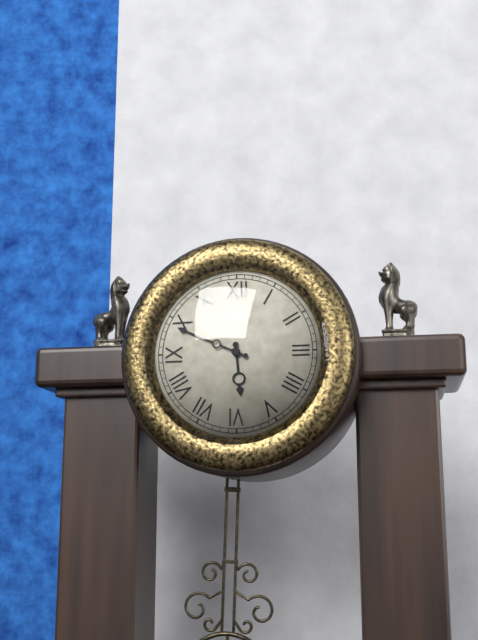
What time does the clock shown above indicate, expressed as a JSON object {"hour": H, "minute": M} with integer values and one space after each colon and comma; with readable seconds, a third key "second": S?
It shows {"hour": 5, "minute": 49}
